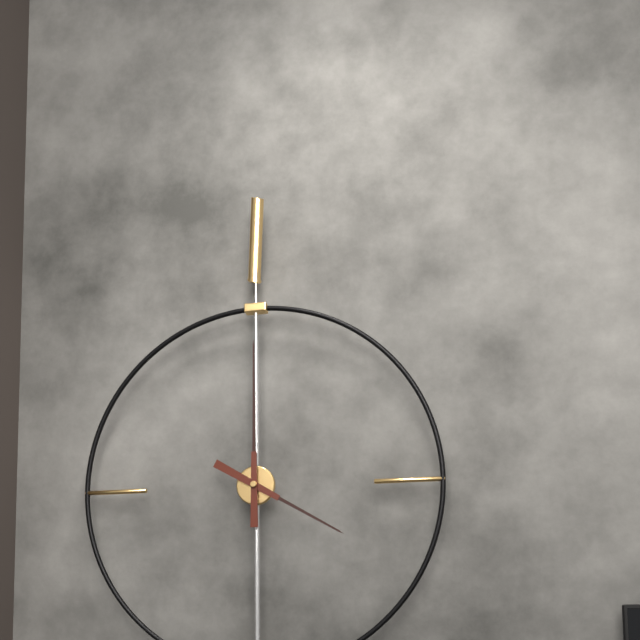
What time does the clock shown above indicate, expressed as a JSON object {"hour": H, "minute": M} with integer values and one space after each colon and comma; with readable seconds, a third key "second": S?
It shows {"hour": 4, "minute": 0}
